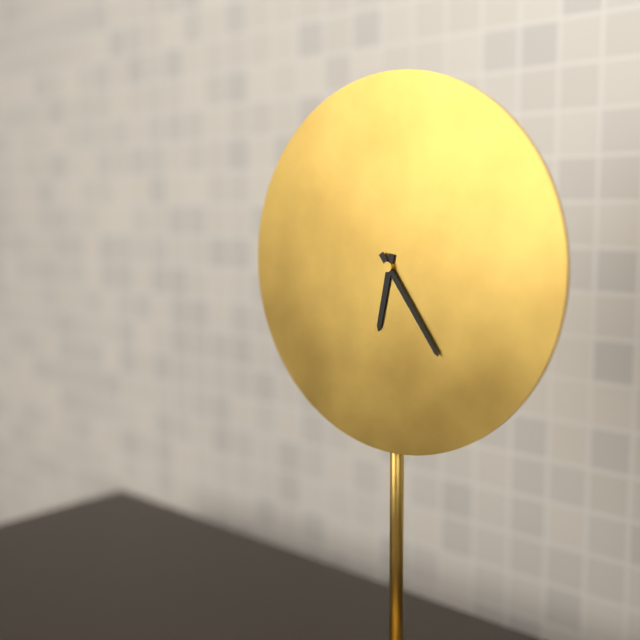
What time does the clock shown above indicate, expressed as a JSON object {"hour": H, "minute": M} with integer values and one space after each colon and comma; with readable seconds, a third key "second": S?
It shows {"hour": 6, "minute": 24}
